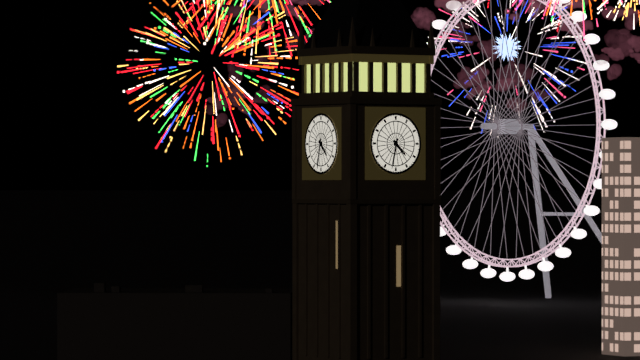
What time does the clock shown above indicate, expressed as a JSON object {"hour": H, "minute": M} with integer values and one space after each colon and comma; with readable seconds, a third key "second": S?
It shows {"hour": 4, "minute": 32}
